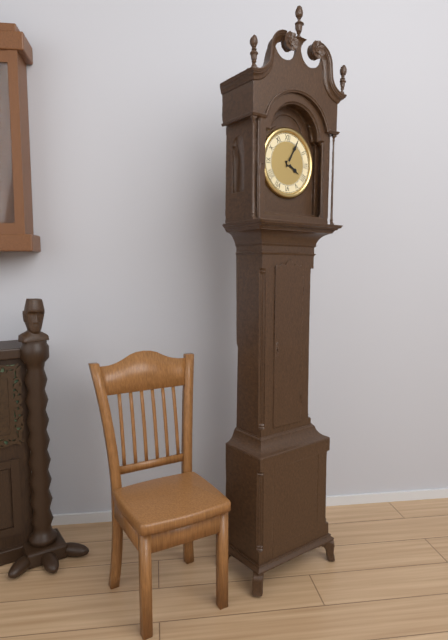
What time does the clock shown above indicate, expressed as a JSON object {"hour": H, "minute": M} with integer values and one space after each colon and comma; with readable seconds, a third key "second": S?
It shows {"hour": 4, "minute": 5}
